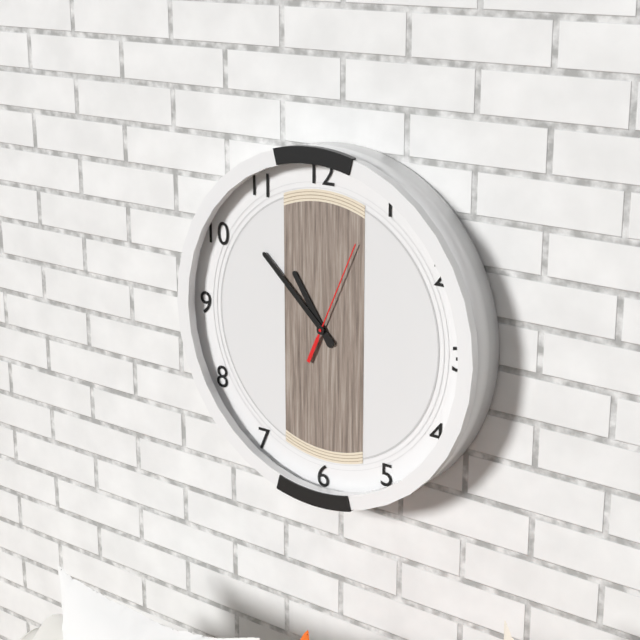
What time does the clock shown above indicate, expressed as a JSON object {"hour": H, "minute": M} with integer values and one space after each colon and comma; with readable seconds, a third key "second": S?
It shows {"hour": 10, "minute": 52, "second": 4}
